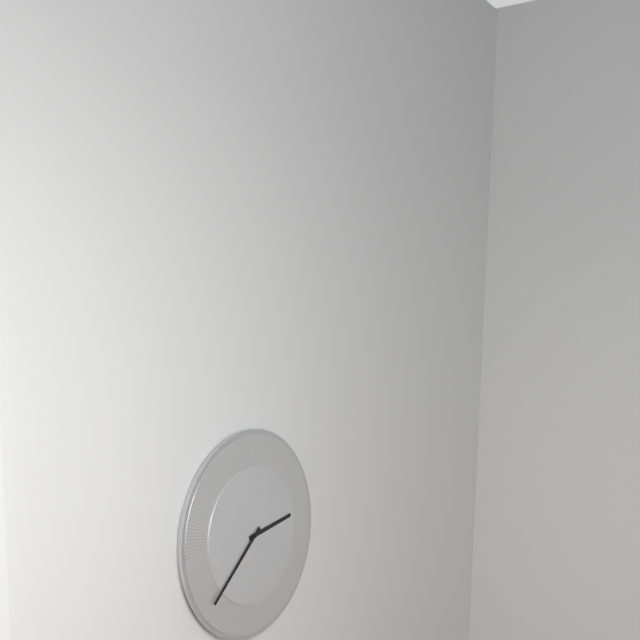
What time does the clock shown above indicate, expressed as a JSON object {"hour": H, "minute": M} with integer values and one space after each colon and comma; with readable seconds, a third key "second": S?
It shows {"hour": 2, "minute": 38}
